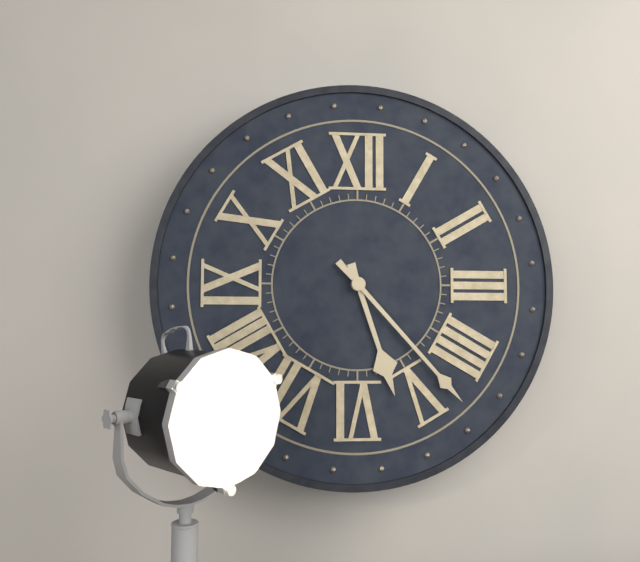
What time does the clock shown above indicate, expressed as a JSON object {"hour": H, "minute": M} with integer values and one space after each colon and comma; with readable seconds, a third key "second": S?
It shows {"hour": 5, "minute": 23}
